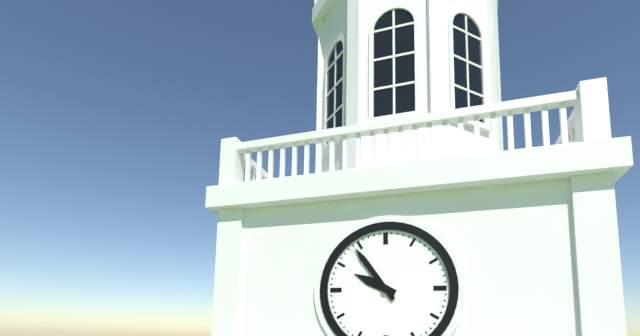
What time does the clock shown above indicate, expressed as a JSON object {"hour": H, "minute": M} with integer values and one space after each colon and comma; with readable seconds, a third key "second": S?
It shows {"hour": 9, "minute": 54}
